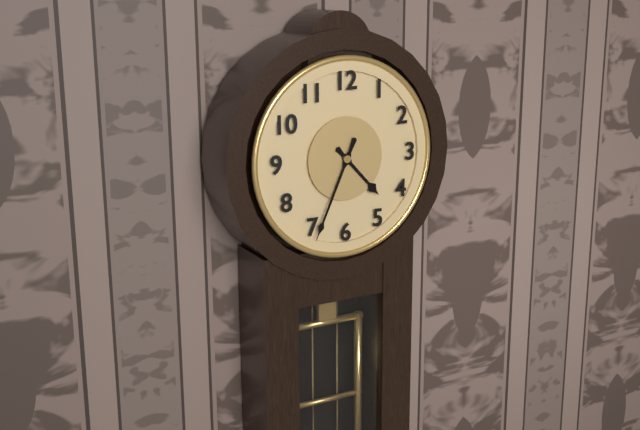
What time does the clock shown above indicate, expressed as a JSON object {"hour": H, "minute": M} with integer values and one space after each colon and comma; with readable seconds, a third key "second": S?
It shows {"hour": 4, "minute": 34}
